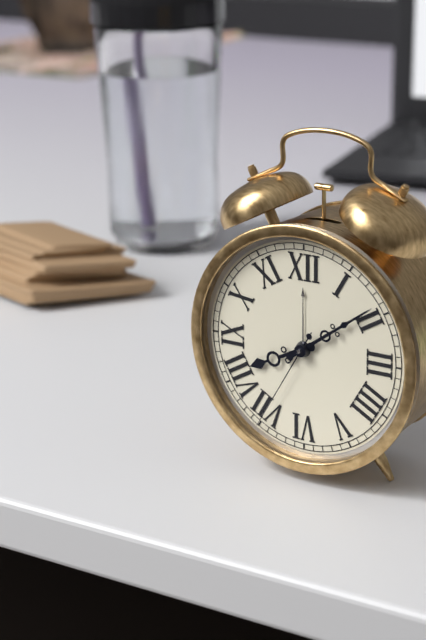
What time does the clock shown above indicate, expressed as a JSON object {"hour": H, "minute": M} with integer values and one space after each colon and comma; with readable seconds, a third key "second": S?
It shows {"hour": 8, "minute": 9, "second": 35}
